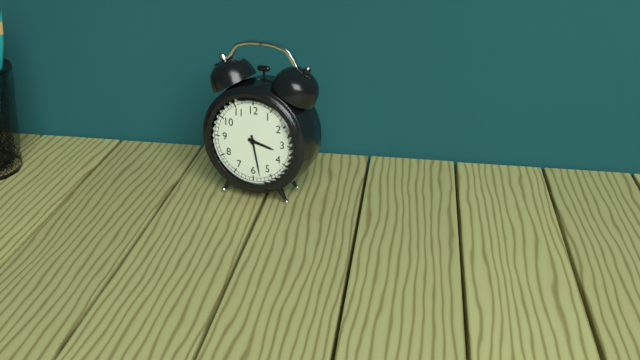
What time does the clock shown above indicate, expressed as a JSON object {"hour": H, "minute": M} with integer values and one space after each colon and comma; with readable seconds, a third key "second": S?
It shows {"hour": 3, "minute": 28}
